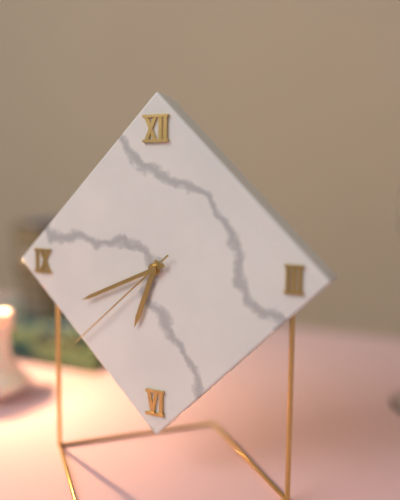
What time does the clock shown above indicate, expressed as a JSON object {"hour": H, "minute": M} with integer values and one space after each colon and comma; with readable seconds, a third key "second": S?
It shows {"hour": 6, "minute": 41, "second": 38}
